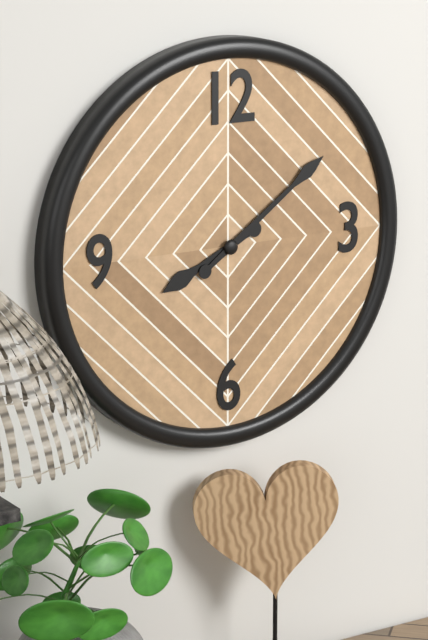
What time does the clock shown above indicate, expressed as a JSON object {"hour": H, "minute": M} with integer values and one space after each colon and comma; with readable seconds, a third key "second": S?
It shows {"hour": 8, "minute": 9}
